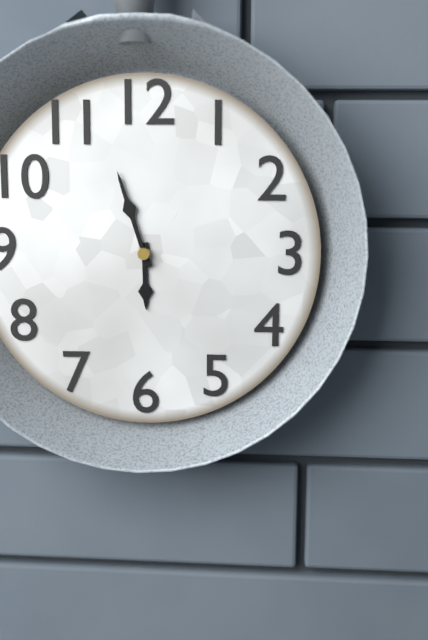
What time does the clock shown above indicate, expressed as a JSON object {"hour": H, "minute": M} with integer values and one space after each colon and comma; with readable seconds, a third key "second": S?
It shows {"hour": 5, "minute": 57}
